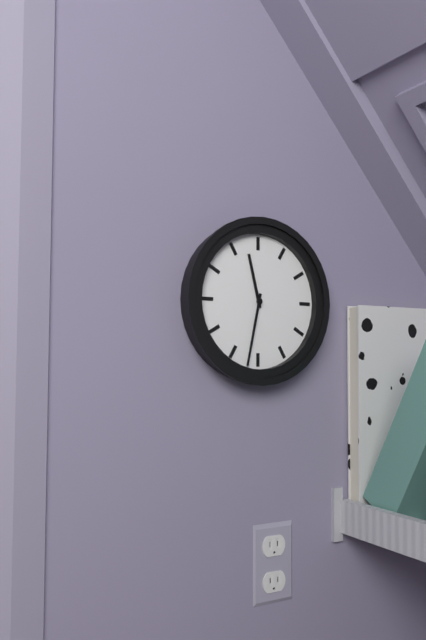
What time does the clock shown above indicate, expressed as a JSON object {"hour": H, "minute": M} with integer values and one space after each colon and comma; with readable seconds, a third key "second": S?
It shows {"hour": 11, "minute": 32}
